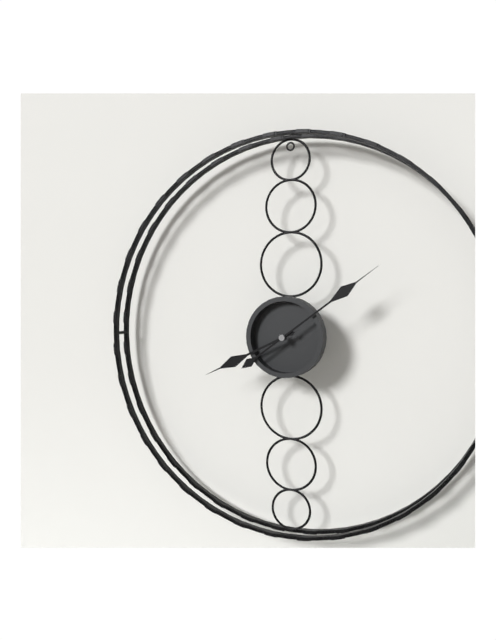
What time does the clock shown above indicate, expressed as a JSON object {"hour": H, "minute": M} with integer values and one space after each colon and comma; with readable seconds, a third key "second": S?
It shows {"hour": 8, "minute": 9}
